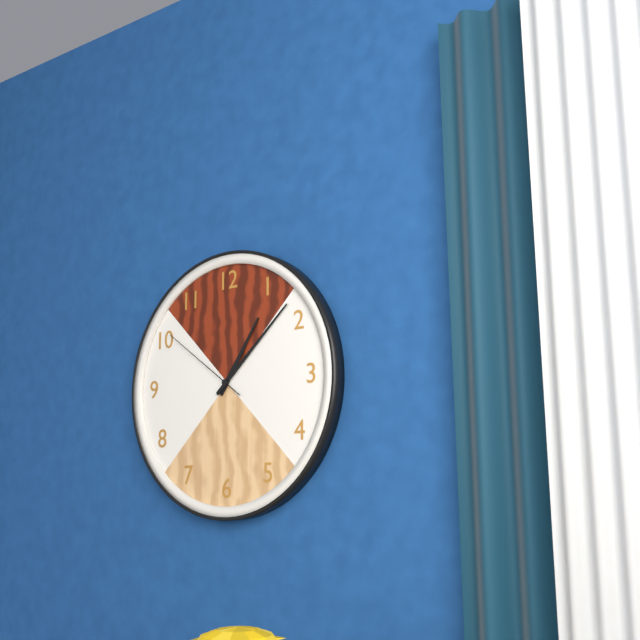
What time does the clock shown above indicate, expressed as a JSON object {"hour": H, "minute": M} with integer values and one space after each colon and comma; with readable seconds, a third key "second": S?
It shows {"hour": 1, "minute": 8, "second": 51}
